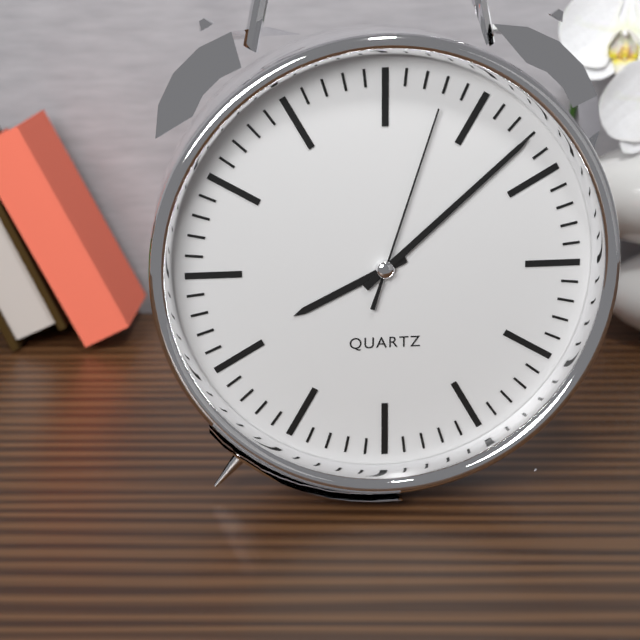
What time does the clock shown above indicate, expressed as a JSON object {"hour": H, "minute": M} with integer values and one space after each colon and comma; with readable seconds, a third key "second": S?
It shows {"hour": 8, "minute": 8, "second": 3}
